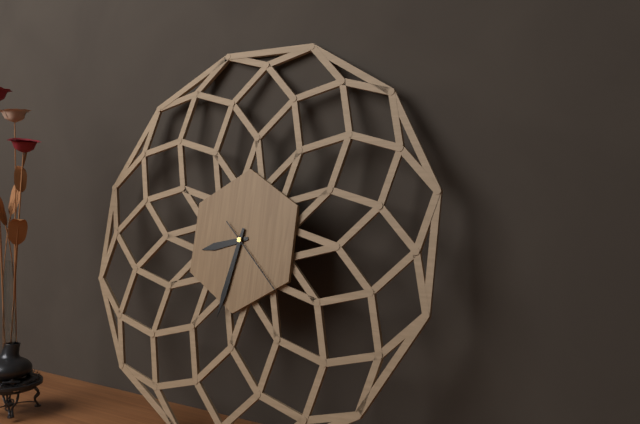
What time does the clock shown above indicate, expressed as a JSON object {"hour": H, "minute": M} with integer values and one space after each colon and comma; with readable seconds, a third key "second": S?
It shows {"hour": 8, "minute": 32, "second": 22}
